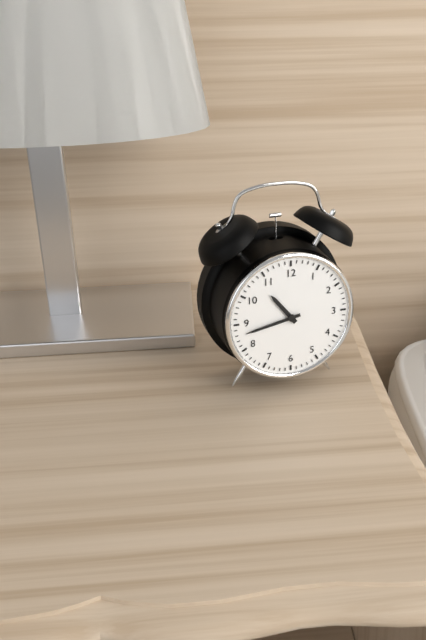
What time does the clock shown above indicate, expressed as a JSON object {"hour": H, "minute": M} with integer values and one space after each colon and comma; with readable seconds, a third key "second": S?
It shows {"hour": 10, "minute": 43}
